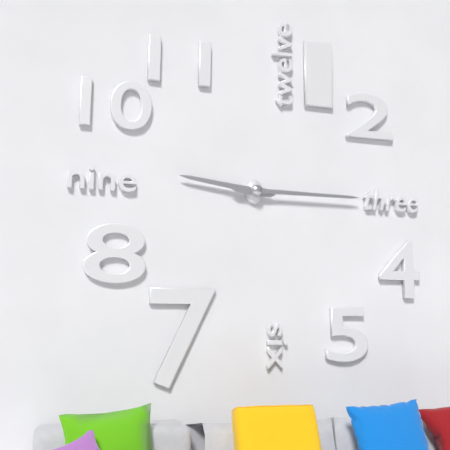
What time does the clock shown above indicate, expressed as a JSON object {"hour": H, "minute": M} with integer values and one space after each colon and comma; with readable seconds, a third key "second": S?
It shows {"hour": 9, "minute": 15}
